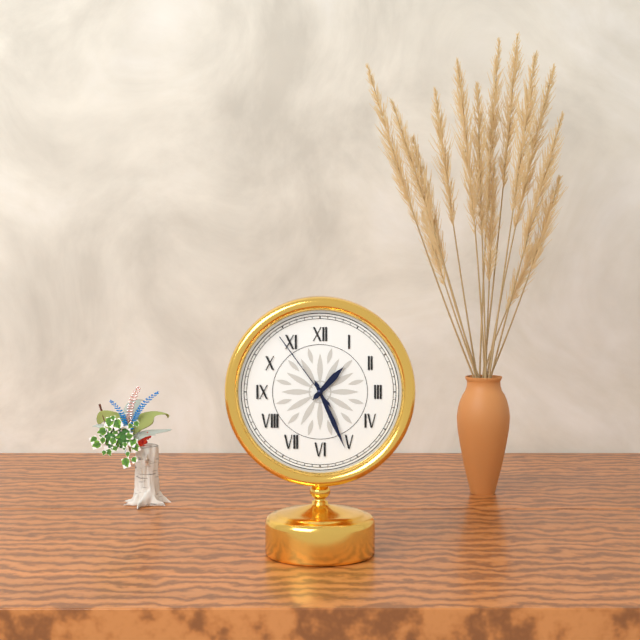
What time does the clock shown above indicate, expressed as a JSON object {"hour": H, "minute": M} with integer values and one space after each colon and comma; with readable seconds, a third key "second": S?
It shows {"hour": 1, "minute": 26, "second": 54}
